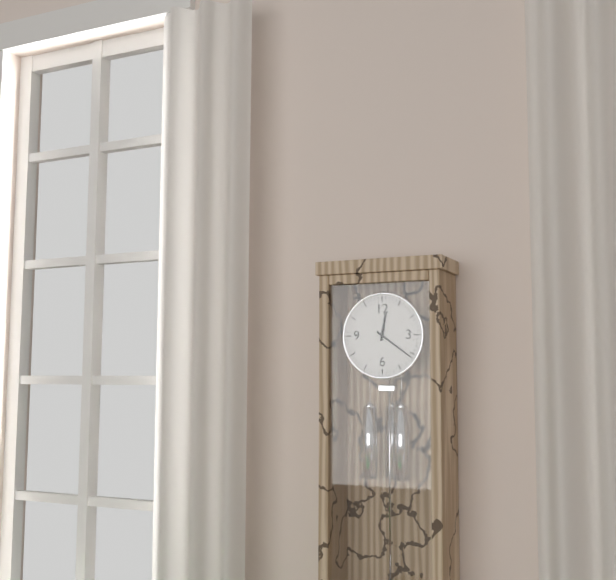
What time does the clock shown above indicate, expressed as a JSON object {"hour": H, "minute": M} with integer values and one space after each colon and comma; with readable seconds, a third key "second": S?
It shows {"hour": 12, "minute": 21}
